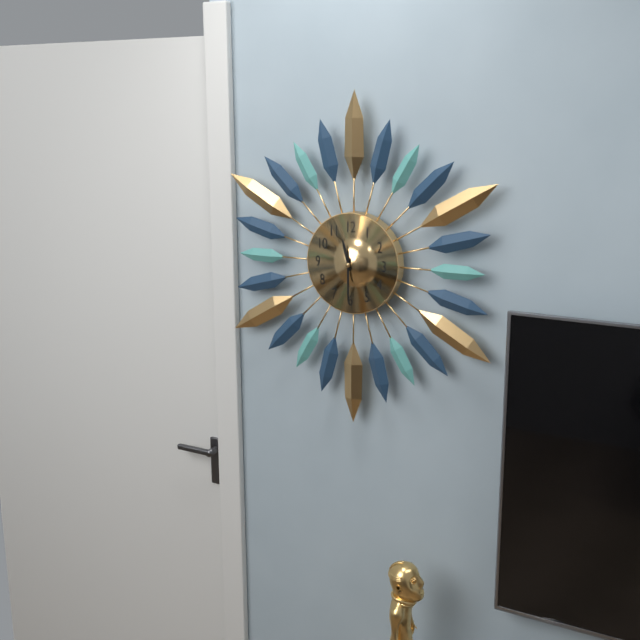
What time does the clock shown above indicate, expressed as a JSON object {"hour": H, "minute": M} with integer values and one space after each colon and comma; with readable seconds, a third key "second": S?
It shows {"hour": 11, "minute": 30}
